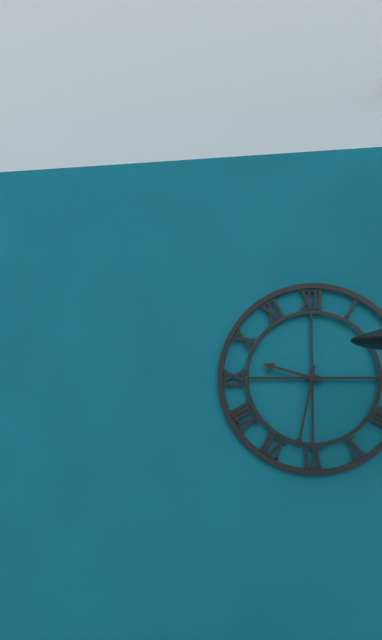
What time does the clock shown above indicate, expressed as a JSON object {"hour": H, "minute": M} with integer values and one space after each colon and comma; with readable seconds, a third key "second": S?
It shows {"hour": 9, "minute": 32}
